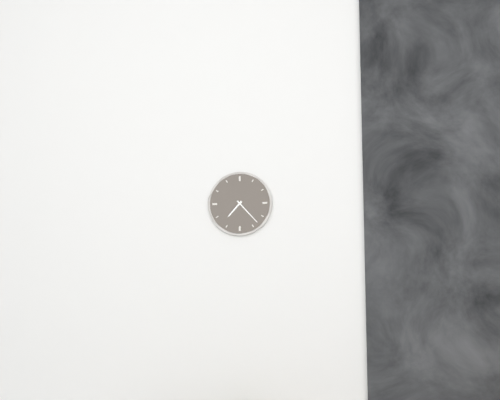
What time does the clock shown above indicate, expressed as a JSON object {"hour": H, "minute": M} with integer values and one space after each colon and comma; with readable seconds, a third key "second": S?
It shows {"hour": 7, "minute": 23}
